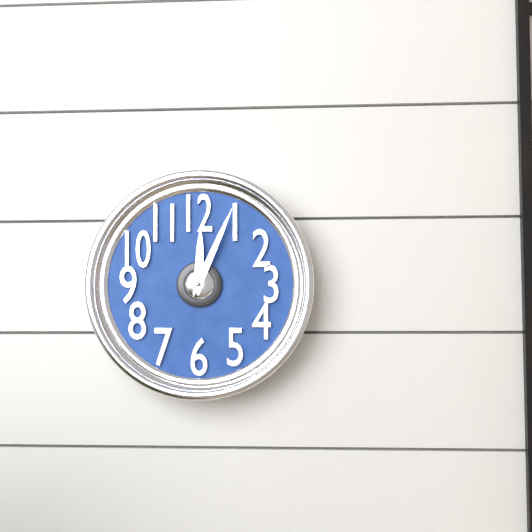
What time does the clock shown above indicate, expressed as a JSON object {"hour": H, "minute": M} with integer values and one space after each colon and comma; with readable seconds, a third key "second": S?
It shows {"hour": 12, "minute": 4}
